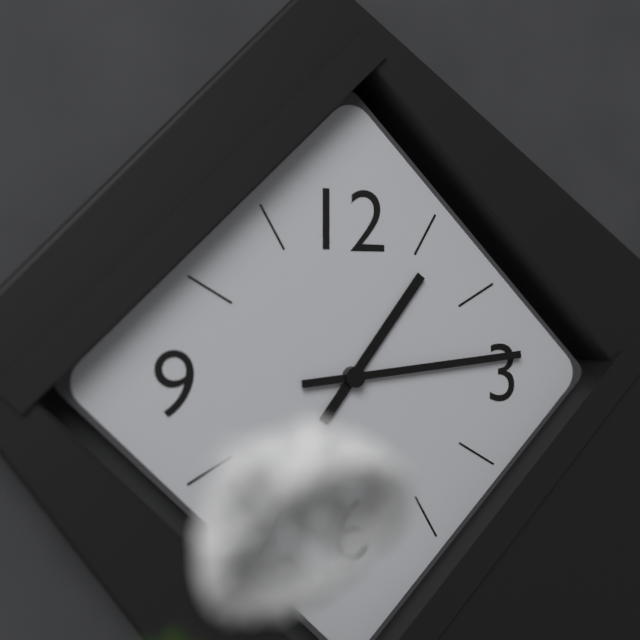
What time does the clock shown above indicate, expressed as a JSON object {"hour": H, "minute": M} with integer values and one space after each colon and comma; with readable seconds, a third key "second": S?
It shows {"hour": 1, "minute": 14}
